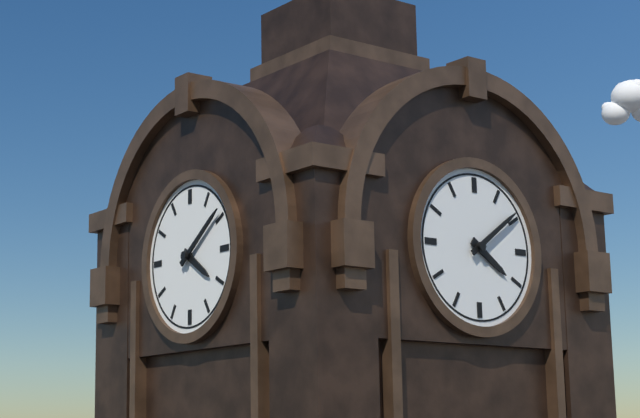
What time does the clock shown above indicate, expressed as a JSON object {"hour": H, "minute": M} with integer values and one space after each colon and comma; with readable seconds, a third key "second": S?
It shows {"hour": 4, "minute": 9}
